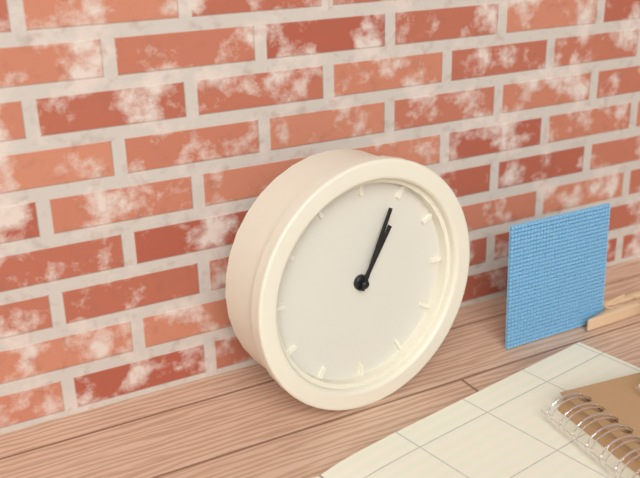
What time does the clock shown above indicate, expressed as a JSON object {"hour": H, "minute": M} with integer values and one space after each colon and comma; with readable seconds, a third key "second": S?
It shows {"hour": 1, "minute": 4}
